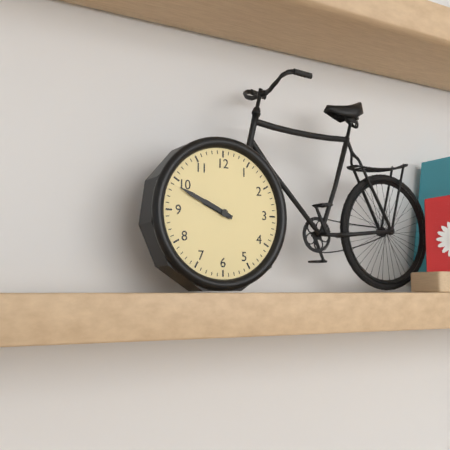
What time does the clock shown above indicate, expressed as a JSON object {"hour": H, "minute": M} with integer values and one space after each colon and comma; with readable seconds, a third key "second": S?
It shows {"hour": 9, "minute": 49}
